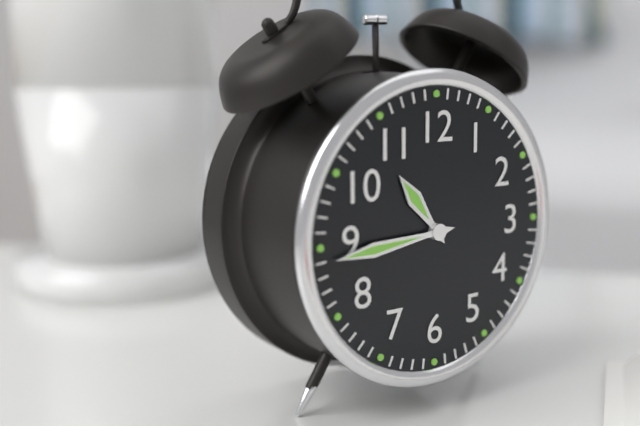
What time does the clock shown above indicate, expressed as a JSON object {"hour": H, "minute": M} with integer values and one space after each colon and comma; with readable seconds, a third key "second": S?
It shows {"hour": 10, "minute": 44}
